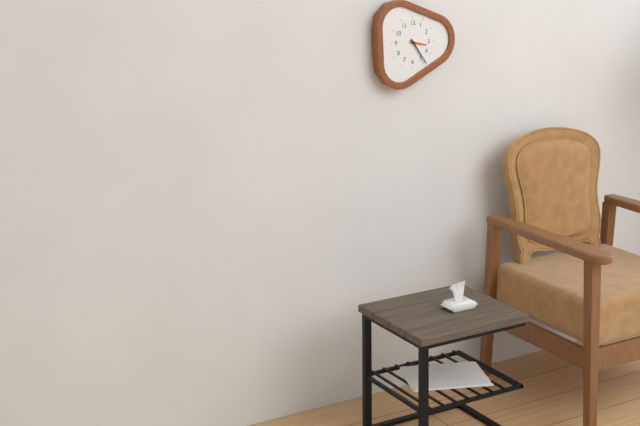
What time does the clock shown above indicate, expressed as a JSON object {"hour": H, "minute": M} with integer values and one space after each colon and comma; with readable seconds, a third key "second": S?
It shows {"hour": 3, "minute": 24}
